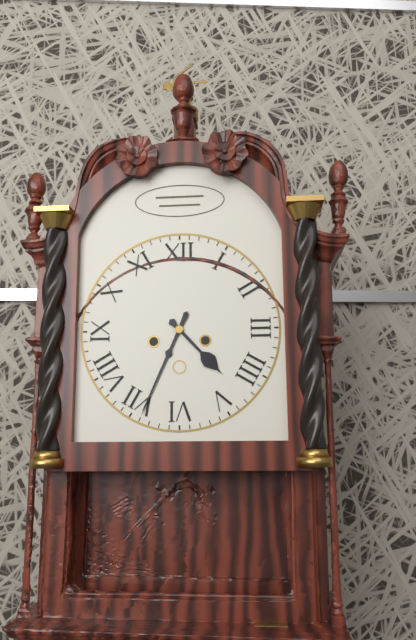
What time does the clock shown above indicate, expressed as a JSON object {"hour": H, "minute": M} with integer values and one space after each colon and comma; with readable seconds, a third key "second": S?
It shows {"hour": 4, "minute": 34}
